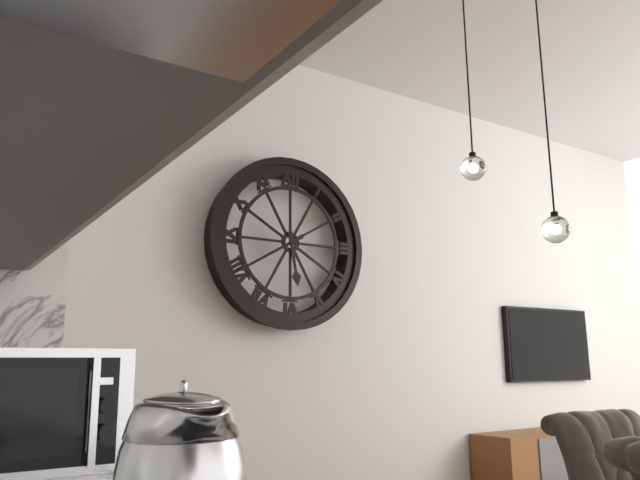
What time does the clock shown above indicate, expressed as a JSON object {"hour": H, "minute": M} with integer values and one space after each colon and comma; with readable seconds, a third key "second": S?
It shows {"hour": 5, "minute": 40}
